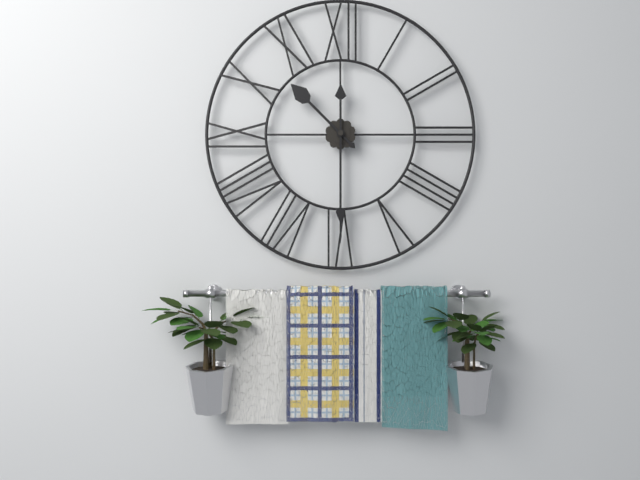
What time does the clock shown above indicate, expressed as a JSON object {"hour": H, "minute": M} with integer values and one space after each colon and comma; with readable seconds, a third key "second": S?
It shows {"hour": 10, "minute": 30}
